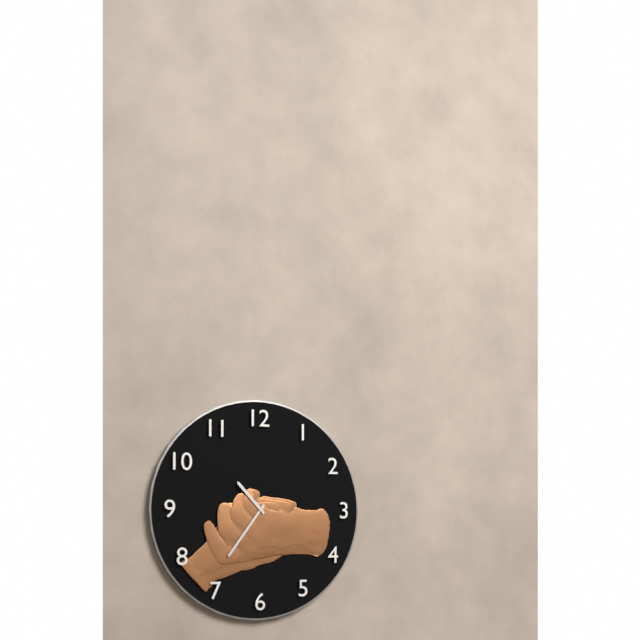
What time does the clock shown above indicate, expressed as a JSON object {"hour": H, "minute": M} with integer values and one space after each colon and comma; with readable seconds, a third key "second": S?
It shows {"hour": 10, "minute": 36}
